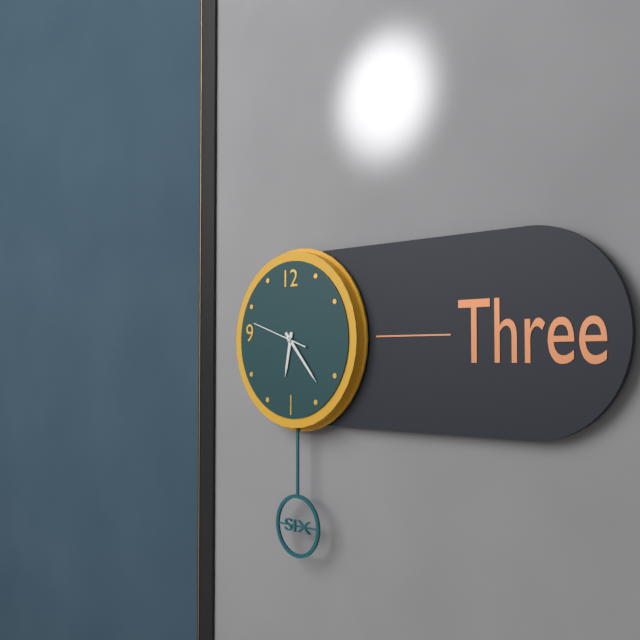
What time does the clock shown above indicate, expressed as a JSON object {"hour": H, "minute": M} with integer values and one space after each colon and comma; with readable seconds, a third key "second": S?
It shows {"hour": 6, "minute": 23, "second": 48}
